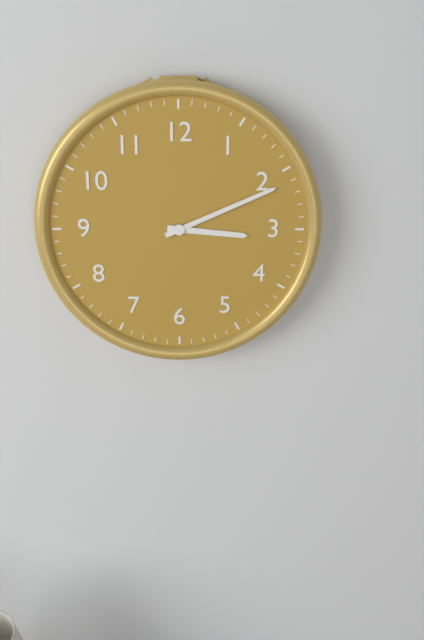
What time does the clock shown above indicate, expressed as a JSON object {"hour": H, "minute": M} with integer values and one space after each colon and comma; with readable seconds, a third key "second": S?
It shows {"hour": 3, "minute": 11}
